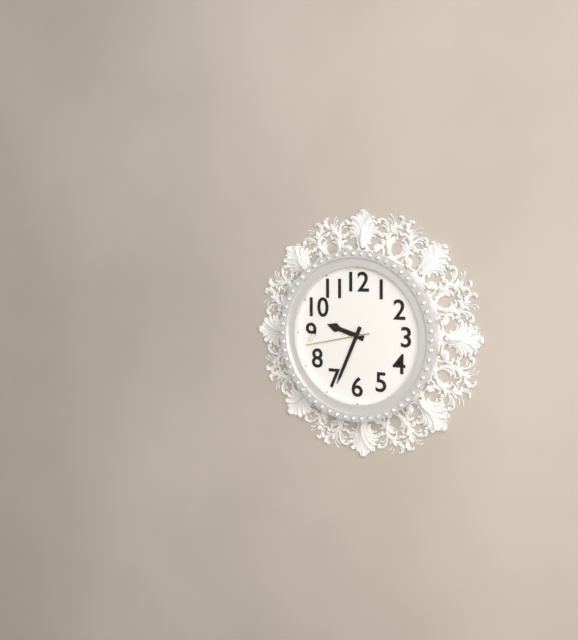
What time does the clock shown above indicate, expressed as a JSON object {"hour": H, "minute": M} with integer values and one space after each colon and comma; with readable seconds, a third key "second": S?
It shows {"hour": 9, "minute": 34, "second": 43}
